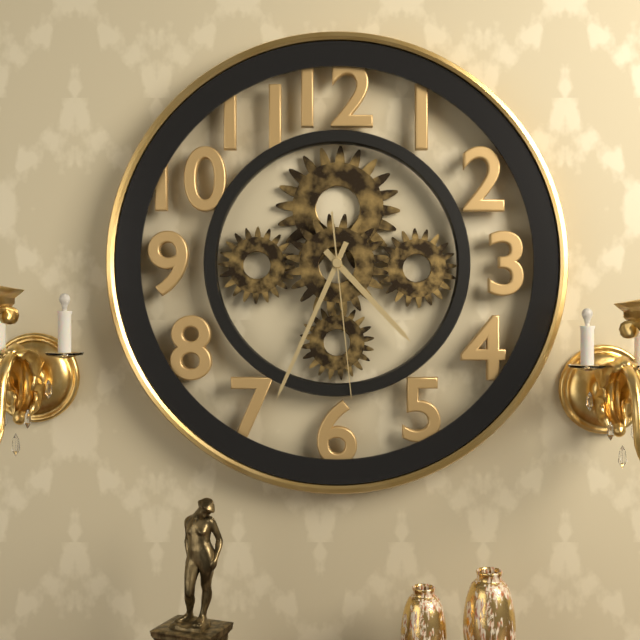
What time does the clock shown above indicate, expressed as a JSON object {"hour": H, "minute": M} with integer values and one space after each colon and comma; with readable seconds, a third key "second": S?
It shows {"hour": 4, "minute": 34, "second": 29}
